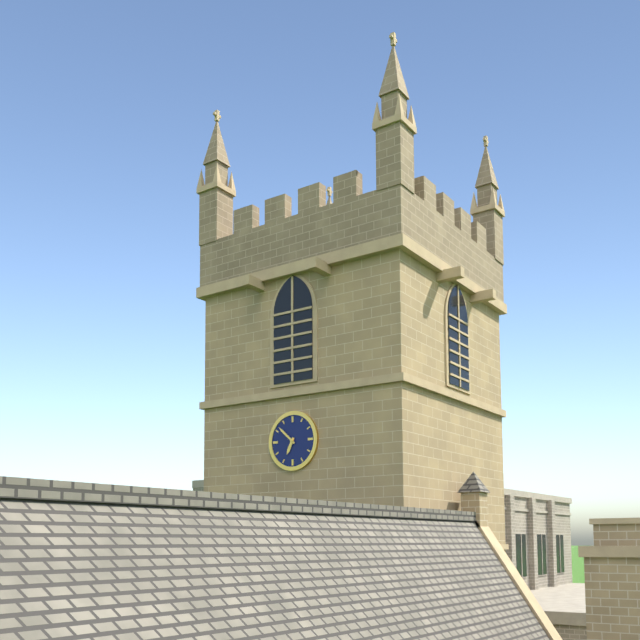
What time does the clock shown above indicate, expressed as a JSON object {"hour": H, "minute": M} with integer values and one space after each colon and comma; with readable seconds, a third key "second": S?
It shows {"hour": 6, "minute": 52}
